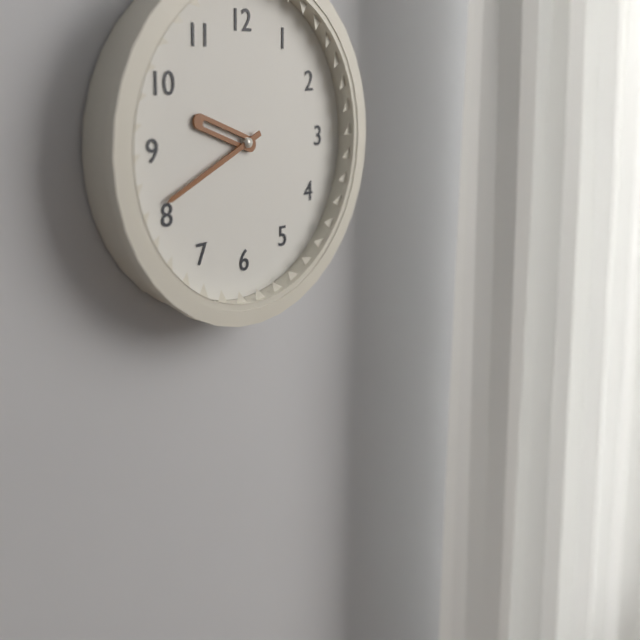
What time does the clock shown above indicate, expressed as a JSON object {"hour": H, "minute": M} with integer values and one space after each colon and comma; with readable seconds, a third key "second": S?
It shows {"hour": 9, "minute": 41}
